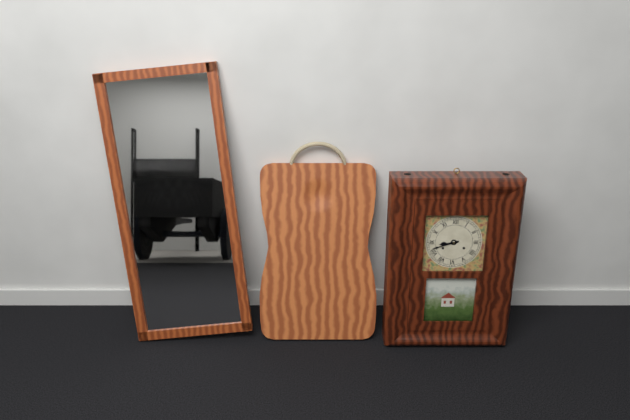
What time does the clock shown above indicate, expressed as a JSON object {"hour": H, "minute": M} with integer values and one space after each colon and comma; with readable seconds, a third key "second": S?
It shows {"hour": 8, "minute": 42}
